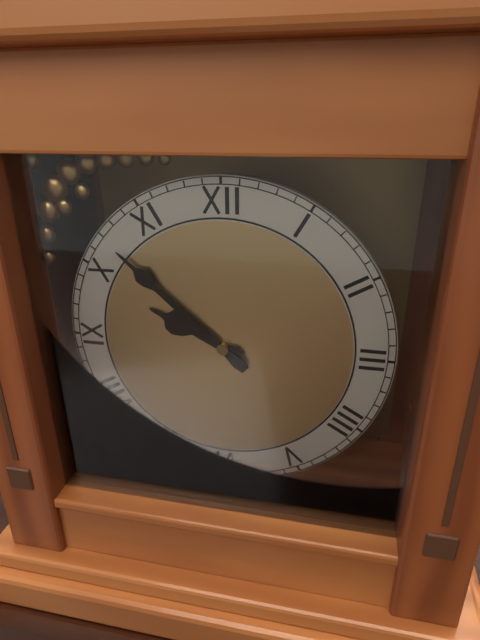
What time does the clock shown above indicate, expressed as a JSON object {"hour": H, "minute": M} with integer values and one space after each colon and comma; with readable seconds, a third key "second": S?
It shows {"hour": 9, "minute": 52}
